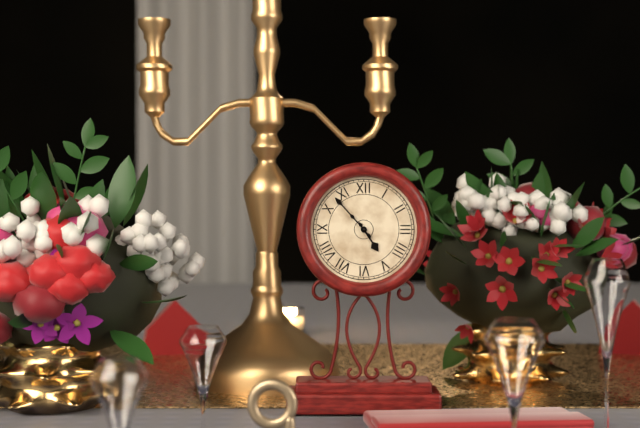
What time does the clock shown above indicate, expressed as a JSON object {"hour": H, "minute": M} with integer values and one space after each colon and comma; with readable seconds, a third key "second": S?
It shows {"hour": 4, "minute": 53}
